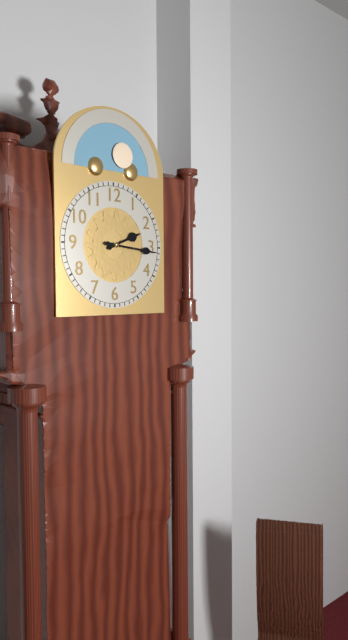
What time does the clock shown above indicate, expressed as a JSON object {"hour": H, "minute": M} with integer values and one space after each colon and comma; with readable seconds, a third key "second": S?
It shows {"hour": 2, "minute": 16}
